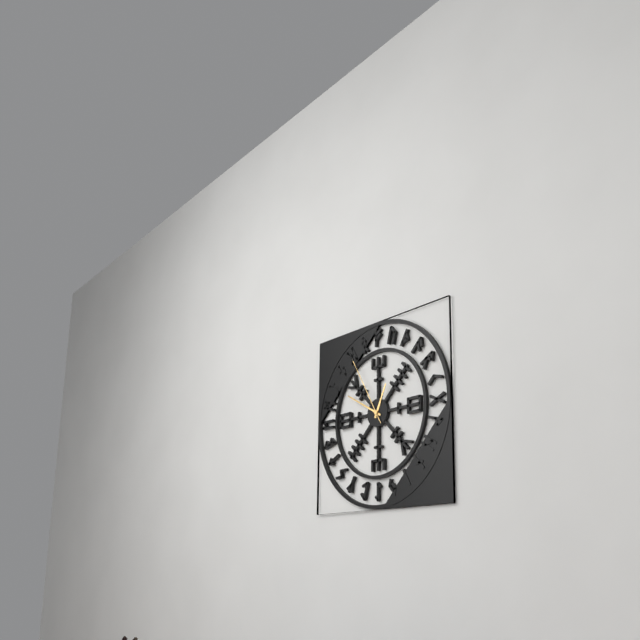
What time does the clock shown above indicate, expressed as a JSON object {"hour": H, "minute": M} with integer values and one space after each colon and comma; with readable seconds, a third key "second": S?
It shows {"hour": 12, "minute": 50, "second": 55}
